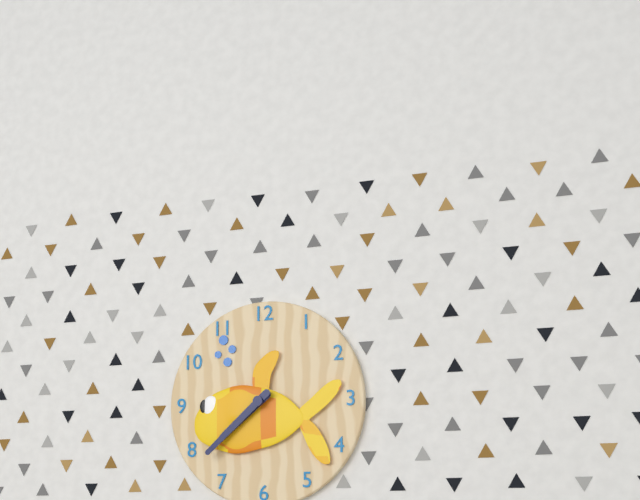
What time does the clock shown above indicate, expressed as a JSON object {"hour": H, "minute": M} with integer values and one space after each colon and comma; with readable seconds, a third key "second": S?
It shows {"hour": 7, "minute": 38}
